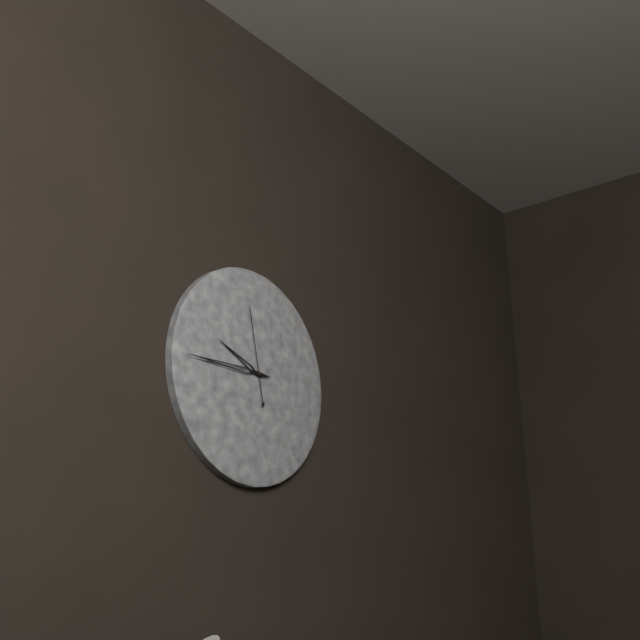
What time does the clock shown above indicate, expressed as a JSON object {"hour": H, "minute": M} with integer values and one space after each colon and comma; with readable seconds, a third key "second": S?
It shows {"hour": 9, "minute": 45, "second": 58}
